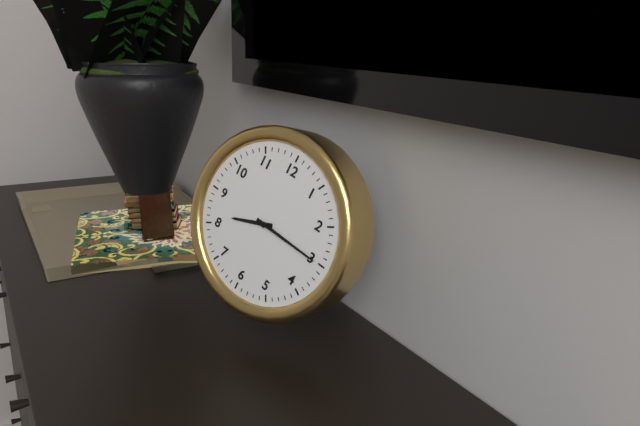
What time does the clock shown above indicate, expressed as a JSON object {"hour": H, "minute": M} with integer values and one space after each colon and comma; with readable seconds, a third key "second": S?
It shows {"hour": 8, "minute": 15}
